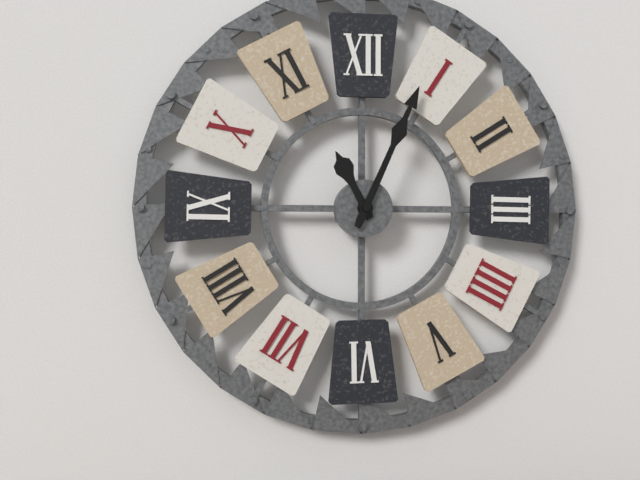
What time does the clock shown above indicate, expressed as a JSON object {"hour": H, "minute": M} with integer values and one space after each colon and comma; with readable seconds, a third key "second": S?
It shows {"hour": 11, "minute": 4}
